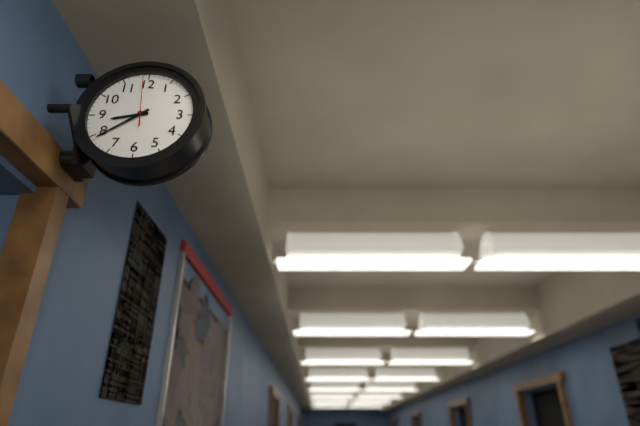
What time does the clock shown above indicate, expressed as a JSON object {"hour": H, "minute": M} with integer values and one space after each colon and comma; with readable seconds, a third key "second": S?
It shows {"hour": 8, "minute": 39, "second": 59}
